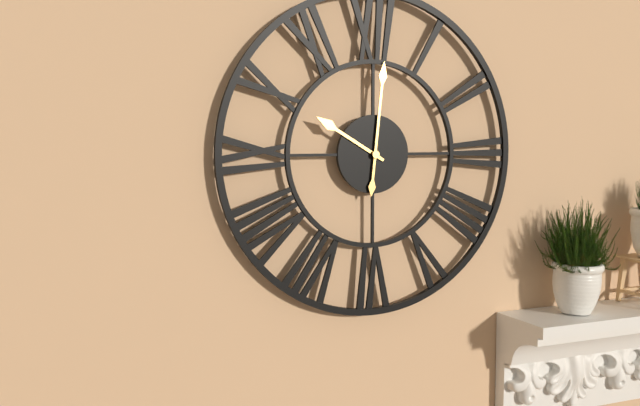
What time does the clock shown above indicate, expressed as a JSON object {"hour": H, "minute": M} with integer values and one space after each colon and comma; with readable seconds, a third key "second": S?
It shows {"hour": 10, "minute": 1}
